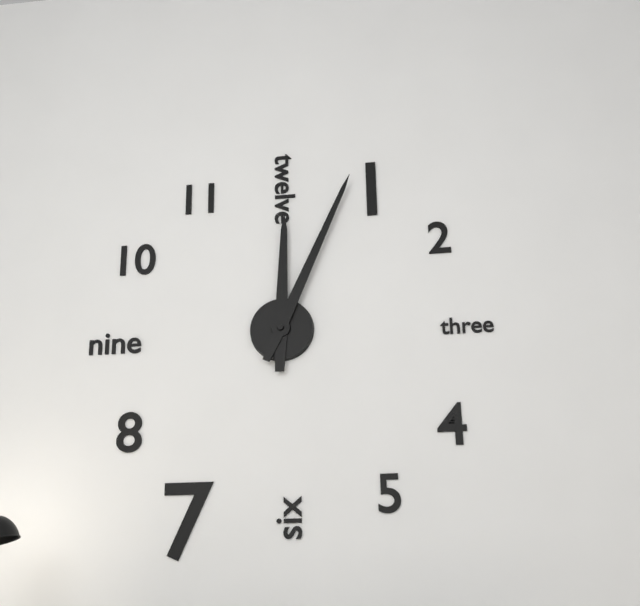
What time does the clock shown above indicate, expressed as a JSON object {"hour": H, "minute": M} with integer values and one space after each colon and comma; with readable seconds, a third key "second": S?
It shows {"hour": 12, "minute": 4}
